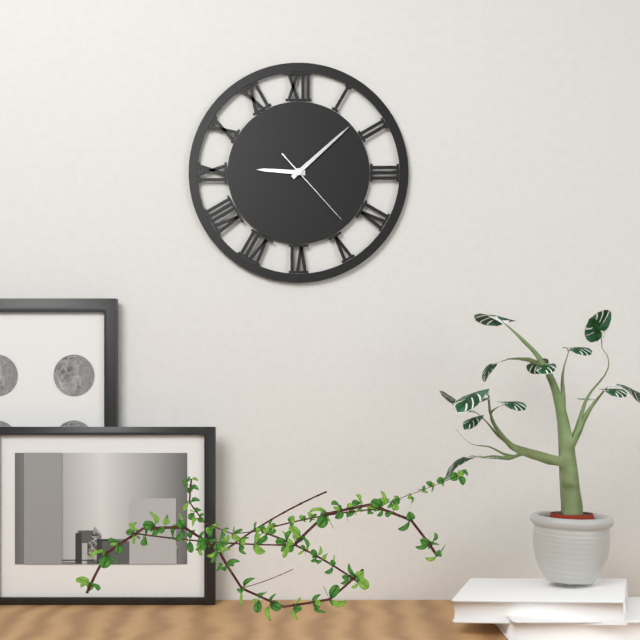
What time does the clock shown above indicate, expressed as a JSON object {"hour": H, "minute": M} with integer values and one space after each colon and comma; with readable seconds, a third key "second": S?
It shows {"hour": 9, "minute": 8, "second": 23}
